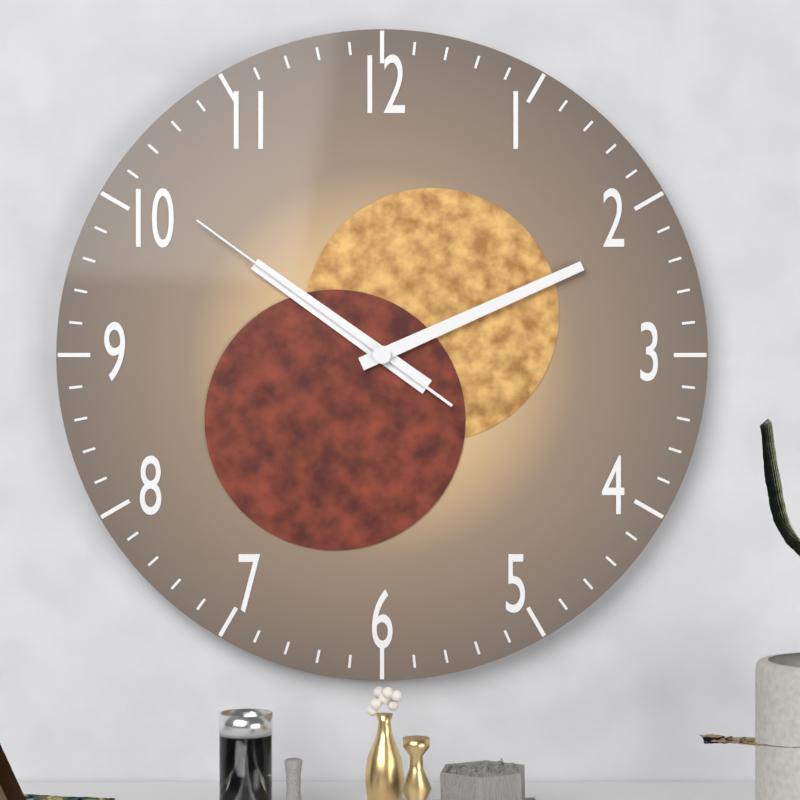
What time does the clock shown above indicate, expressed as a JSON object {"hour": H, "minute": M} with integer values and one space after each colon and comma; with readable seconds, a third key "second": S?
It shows {"hour": 10, "minute": 11, "second": 51}
